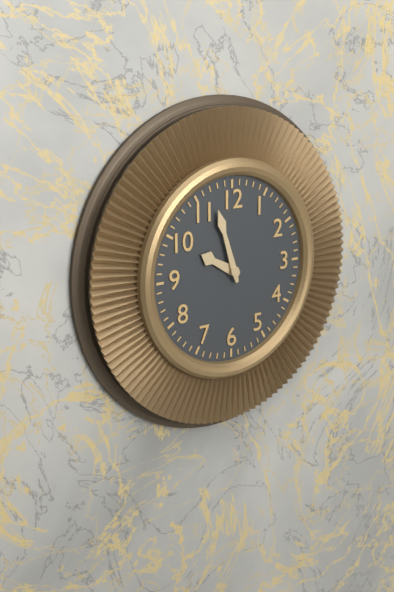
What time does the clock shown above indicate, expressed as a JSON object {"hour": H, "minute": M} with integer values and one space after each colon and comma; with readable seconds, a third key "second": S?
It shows {"hour": 9, "minute": 57}
